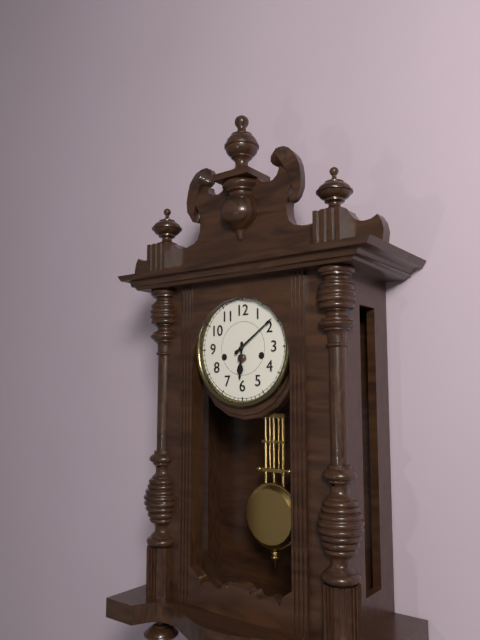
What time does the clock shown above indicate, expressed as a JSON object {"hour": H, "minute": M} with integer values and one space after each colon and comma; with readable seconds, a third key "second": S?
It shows {"hour": 6, "minute": 9}
